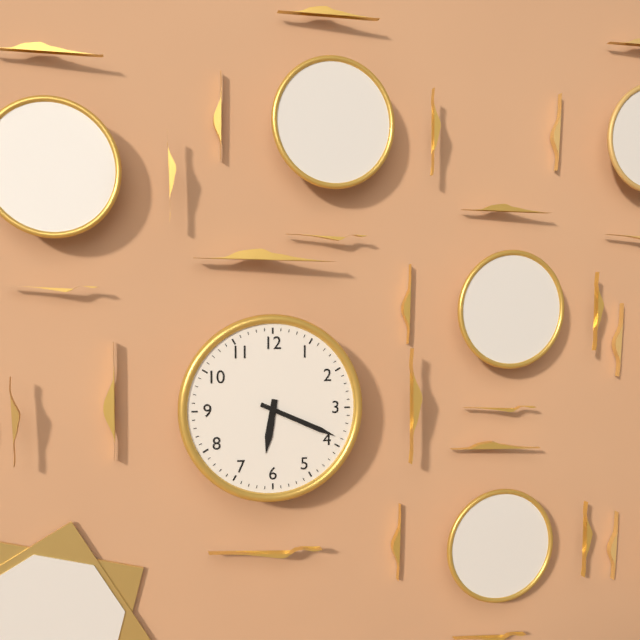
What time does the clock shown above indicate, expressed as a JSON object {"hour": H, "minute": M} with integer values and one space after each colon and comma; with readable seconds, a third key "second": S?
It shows {"hour": 6, "minute": 19}
